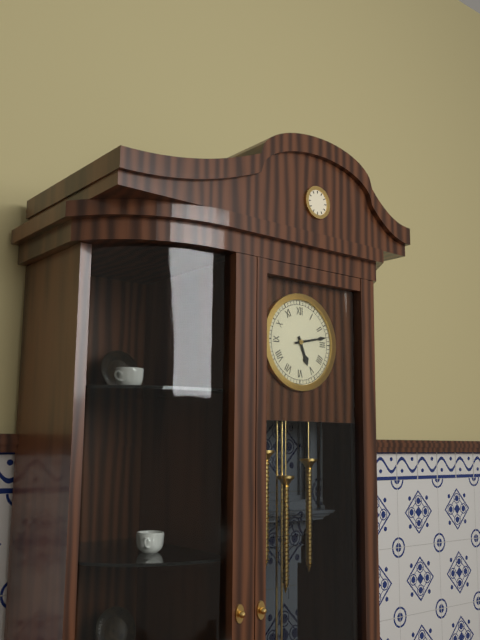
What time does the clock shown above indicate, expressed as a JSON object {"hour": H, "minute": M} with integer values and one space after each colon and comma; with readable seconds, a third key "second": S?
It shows {"hour": 5, "minute": 13}
